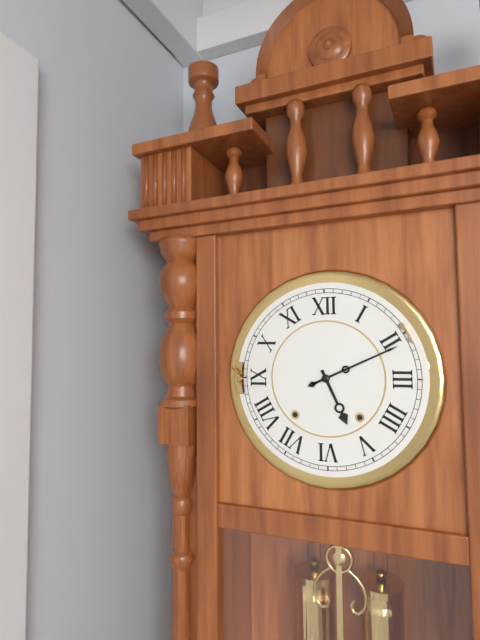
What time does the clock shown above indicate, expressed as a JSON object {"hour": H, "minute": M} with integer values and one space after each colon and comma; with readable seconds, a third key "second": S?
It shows {"hour": 5, "minute": 11}
